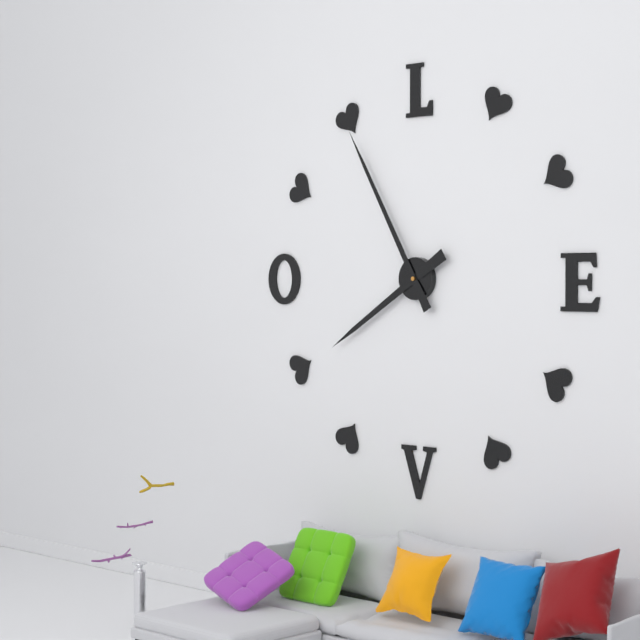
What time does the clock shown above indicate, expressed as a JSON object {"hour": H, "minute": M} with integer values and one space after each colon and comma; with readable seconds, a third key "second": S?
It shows {"hour": 7, "minute": 55}
